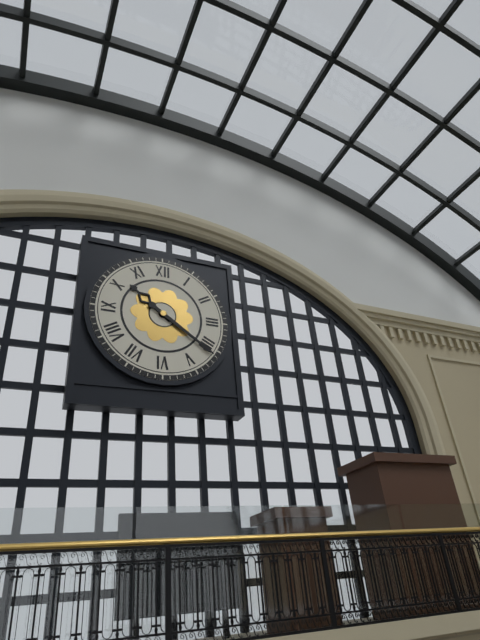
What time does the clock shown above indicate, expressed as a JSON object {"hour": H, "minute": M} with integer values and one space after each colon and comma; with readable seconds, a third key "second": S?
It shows {"hour": 10, "minute": 21}
